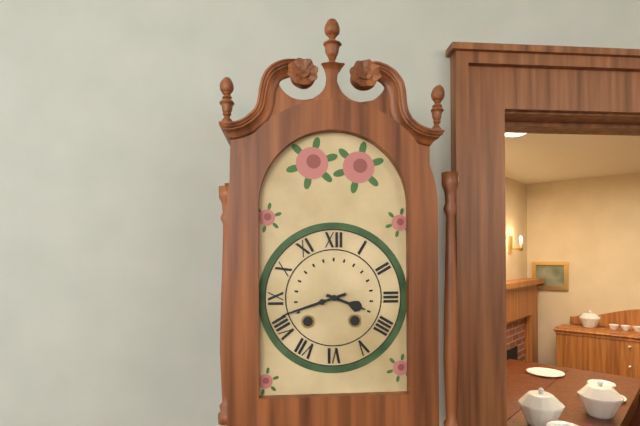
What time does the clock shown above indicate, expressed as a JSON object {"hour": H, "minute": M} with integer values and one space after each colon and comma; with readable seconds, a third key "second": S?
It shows {"hour": 3, "minute": 42}
